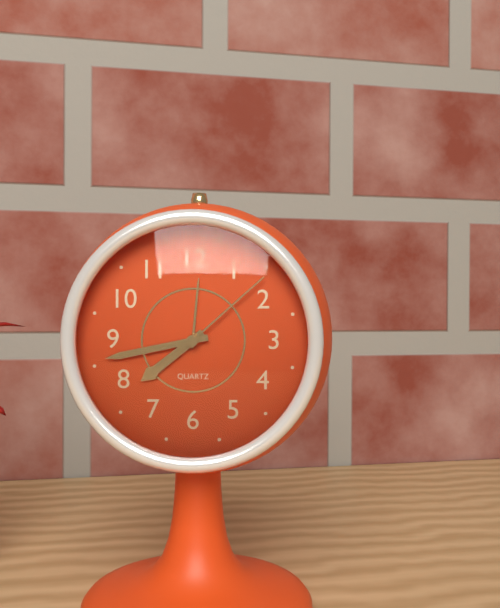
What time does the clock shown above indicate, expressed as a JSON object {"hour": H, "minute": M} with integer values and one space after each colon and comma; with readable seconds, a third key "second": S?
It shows {"hour": 7, "minute": 43, "second": 8}
